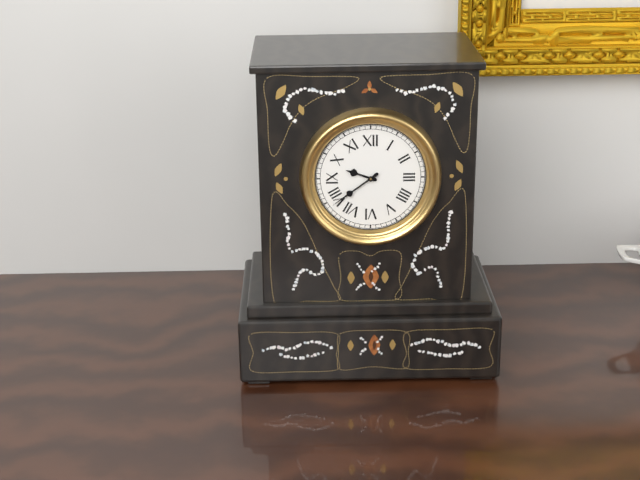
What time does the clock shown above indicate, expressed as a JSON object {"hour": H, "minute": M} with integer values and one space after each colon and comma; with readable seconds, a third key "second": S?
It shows {"hour": 9, "minute": 39}
